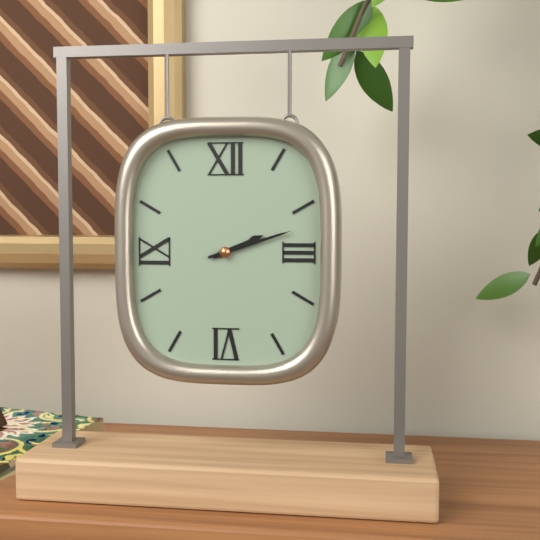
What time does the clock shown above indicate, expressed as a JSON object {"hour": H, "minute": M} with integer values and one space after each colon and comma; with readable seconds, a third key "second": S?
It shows {"hour": 2, "minute": 12}
